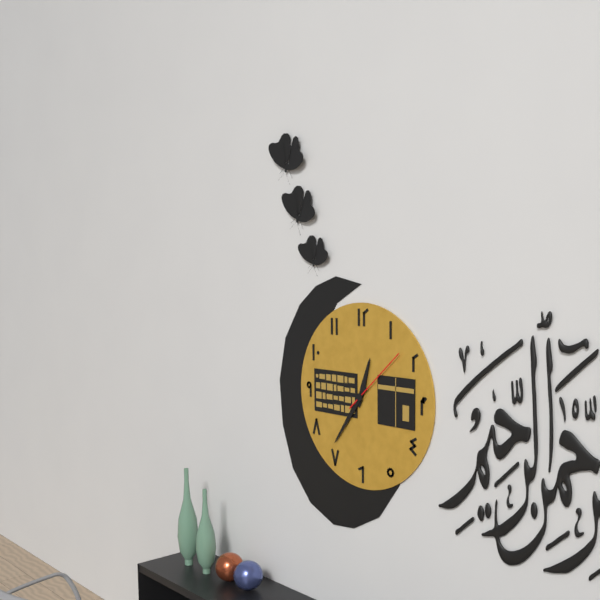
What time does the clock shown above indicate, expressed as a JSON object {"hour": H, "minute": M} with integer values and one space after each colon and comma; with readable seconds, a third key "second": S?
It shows {"hour": 12, "minute": 36, "second": 8}
